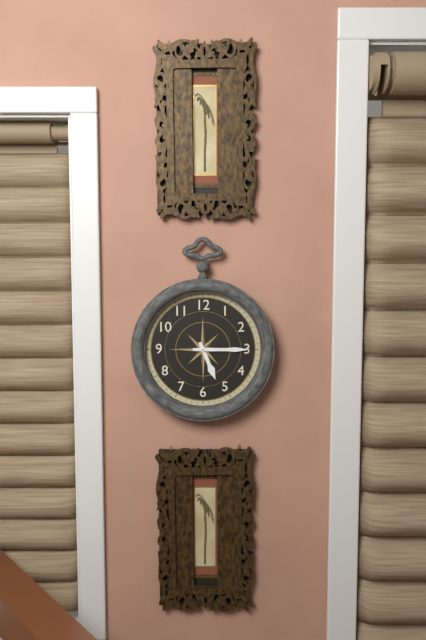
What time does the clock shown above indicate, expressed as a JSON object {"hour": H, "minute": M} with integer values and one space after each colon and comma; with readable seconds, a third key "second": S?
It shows {"hour": 5, "minute": 15}
